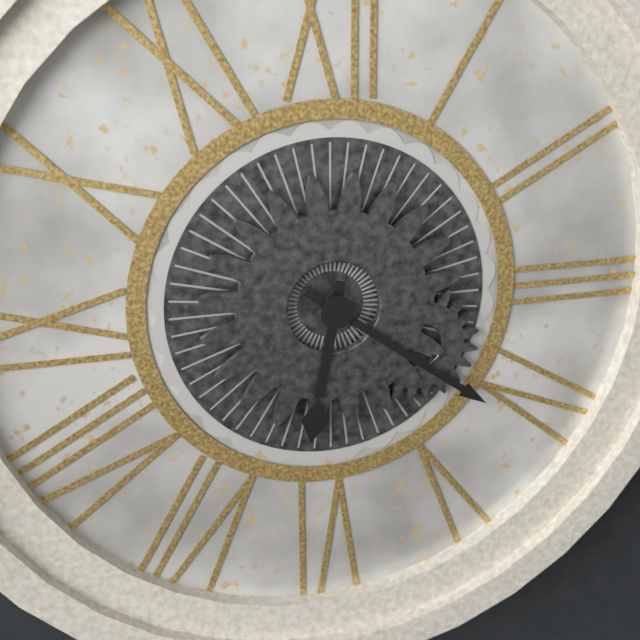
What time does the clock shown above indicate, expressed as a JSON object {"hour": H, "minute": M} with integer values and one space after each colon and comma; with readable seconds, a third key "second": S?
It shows {"hour": 6, "minute": 21}
